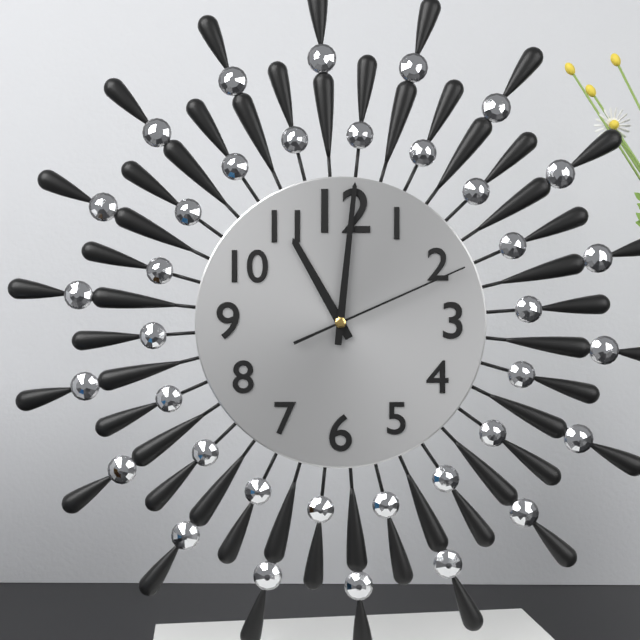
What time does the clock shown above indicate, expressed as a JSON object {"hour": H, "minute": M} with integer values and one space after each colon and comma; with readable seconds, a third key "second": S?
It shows {"hour": 11, "minute": 1, "second": 11}
